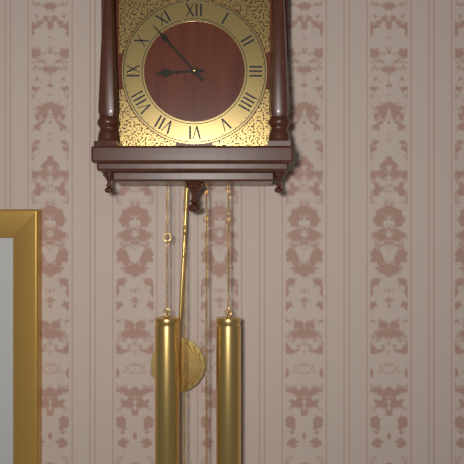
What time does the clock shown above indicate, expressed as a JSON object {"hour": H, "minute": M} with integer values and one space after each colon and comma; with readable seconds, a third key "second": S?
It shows {"hour": 8, "minute": 53}
